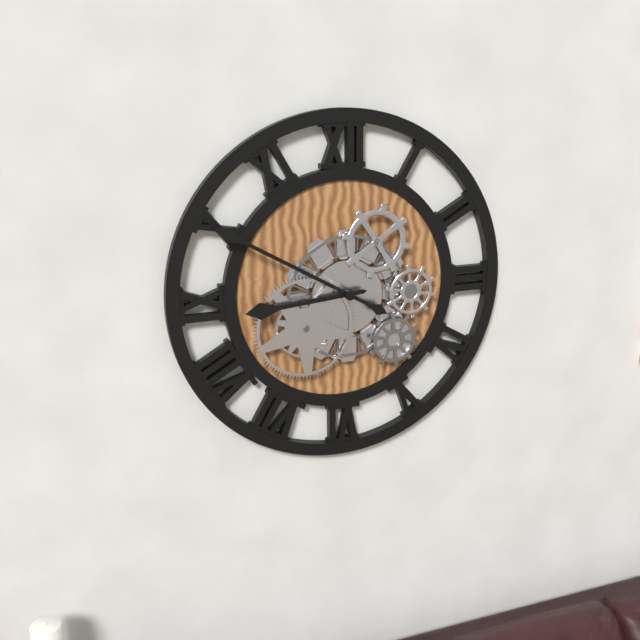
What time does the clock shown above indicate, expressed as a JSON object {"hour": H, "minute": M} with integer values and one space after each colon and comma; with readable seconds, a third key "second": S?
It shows {"hour": 8, "minute": 50}
